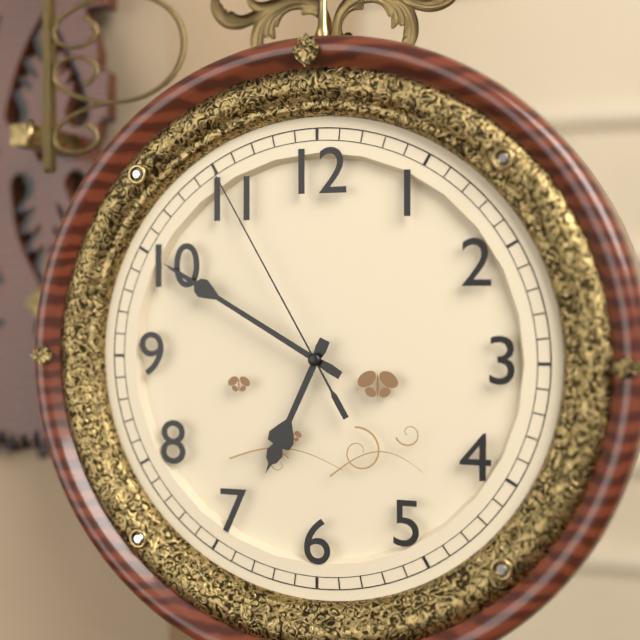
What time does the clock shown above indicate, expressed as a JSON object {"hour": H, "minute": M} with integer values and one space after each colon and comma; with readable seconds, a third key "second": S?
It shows {"hour": 6, "minute": 50, "second": 55}
